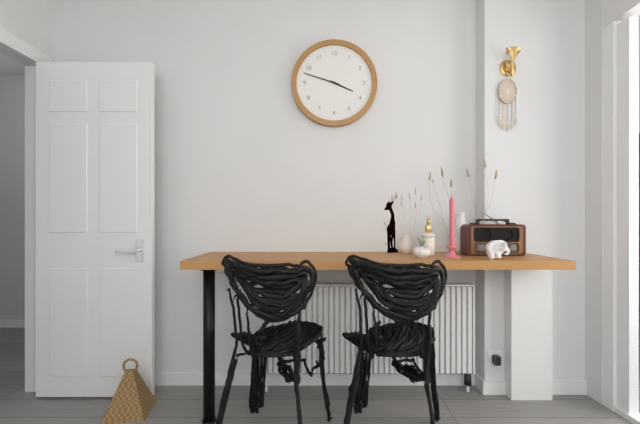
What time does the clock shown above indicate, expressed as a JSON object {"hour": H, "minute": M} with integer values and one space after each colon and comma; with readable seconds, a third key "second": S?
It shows {"hour": 3, "minute": 48}
